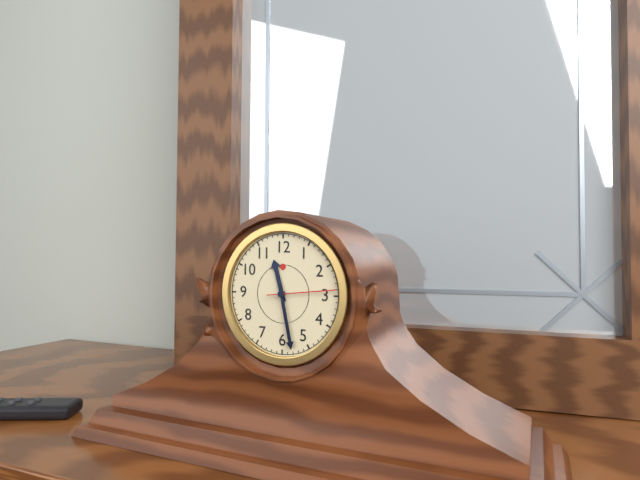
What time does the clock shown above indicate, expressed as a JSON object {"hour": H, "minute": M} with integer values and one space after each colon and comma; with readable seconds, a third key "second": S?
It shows {"hour": 11, "minute": 28, "second": 14}
